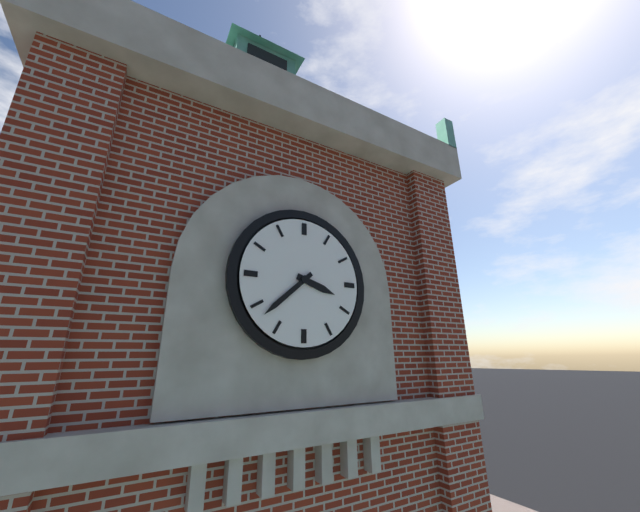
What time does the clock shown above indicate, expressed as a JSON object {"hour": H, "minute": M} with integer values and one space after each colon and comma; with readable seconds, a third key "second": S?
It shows {"hour": 3, "minute": 38}
